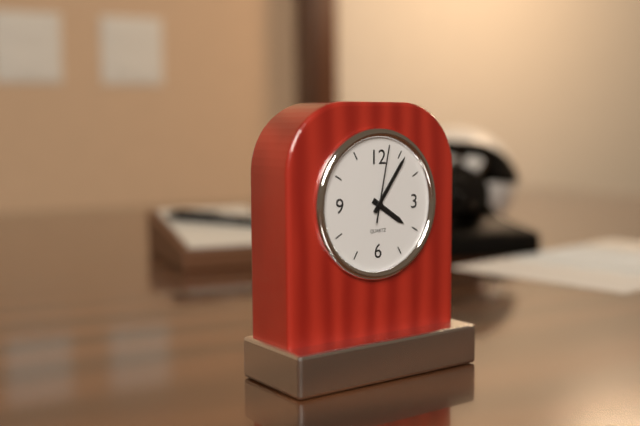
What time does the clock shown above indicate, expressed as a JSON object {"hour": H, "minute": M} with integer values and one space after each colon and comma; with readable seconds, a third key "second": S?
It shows {"hour": 4, "minute": 6, "second": 2}
